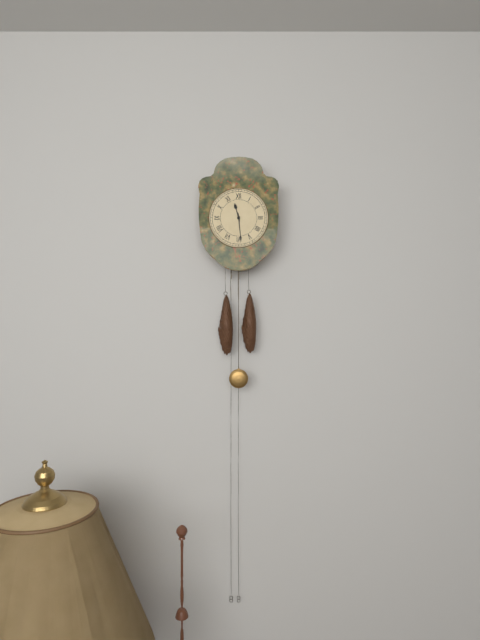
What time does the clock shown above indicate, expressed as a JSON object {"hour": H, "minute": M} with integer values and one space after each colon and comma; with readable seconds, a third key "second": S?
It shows {"hour": 11, "minute": 29}
